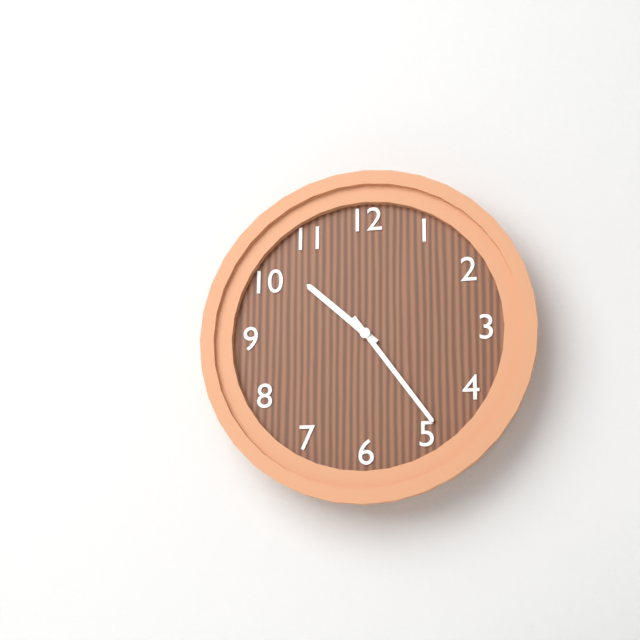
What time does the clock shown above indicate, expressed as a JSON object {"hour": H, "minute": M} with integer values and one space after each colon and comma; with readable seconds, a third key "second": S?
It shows {"hour": 10, "minute": 24}
